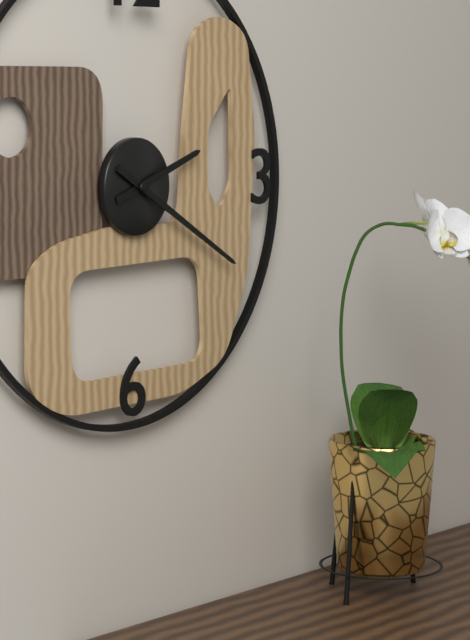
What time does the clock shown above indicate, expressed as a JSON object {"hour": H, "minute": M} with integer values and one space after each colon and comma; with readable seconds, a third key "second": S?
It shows {"hour": 2, "minute": 20}
